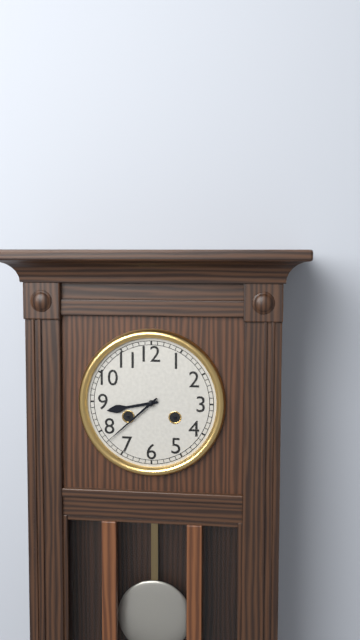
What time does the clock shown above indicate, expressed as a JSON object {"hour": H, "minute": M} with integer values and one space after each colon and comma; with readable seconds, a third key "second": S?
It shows {"hour": 8, "minute": 38}
